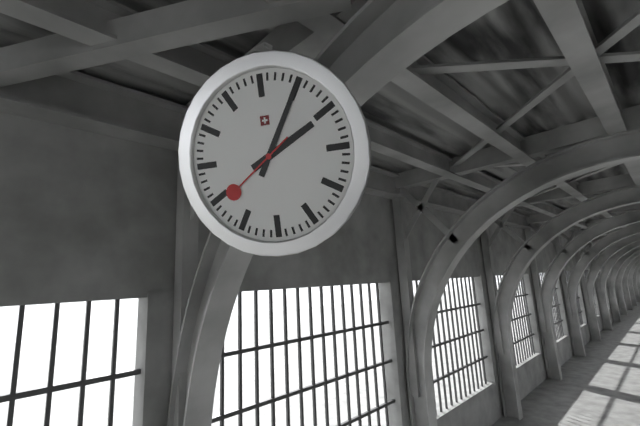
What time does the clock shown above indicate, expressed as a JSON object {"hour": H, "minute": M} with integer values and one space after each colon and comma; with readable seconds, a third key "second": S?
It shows {"hour": 2, "minute": 5, "second": 39}
